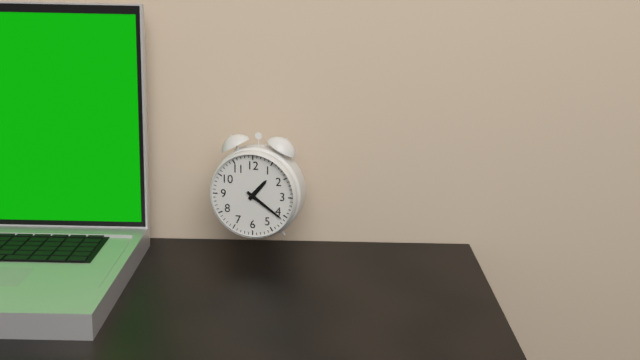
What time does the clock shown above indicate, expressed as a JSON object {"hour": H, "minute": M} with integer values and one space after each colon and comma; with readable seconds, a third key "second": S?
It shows {"hour": 1, "minute": 21}
